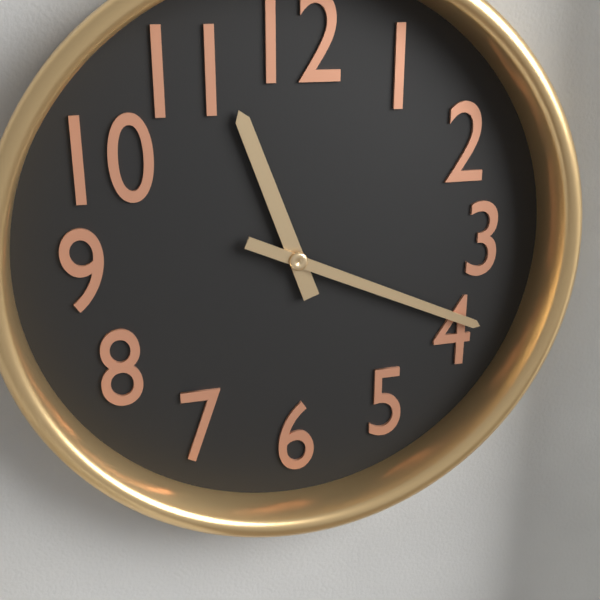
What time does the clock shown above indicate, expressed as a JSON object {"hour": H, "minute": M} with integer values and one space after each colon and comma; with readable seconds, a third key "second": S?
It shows {"hour": 11, "minute": 19}
